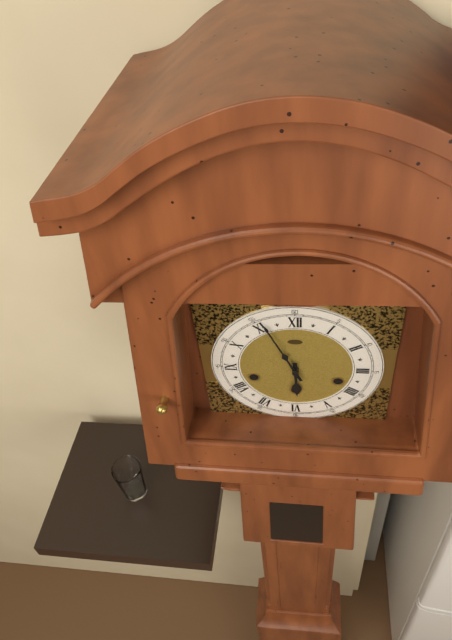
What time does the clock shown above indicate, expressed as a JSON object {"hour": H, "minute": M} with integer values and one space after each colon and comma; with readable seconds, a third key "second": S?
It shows {"hour": 5, "minute": 56}
